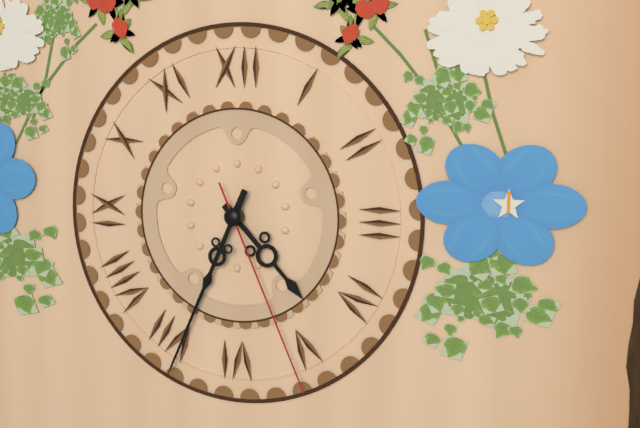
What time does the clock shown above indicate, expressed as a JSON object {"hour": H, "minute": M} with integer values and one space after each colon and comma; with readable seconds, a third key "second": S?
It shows {"hour": 4, "minute": 34, "second": 26}
